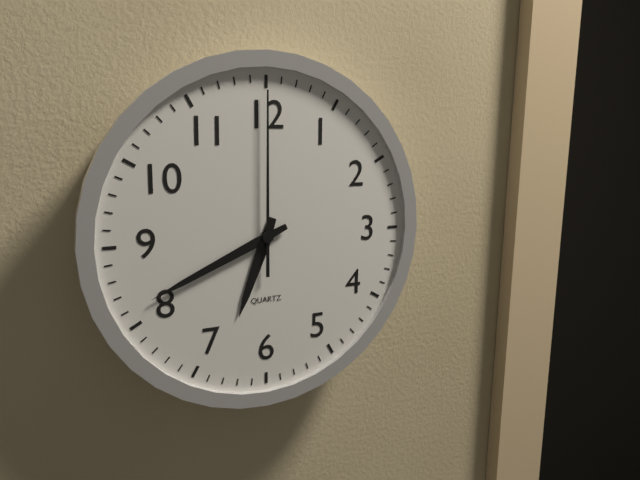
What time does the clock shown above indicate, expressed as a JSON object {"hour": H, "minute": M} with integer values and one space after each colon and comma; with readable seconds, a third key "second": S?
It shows {"hour": 6, "minute": 41, "second": 0}
